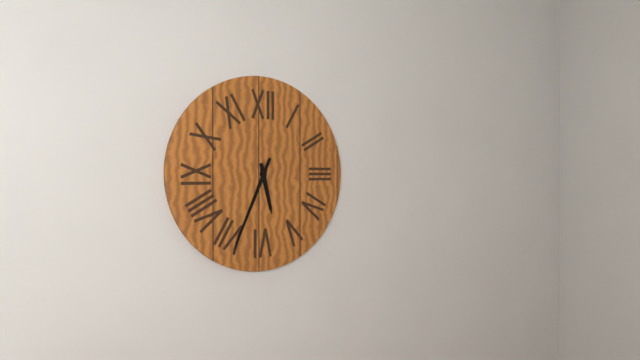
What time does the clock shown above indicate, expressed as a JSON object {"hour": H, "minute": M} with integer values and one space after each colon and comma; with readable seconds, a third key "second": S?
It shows {"hour": 5, "minute": 34}
